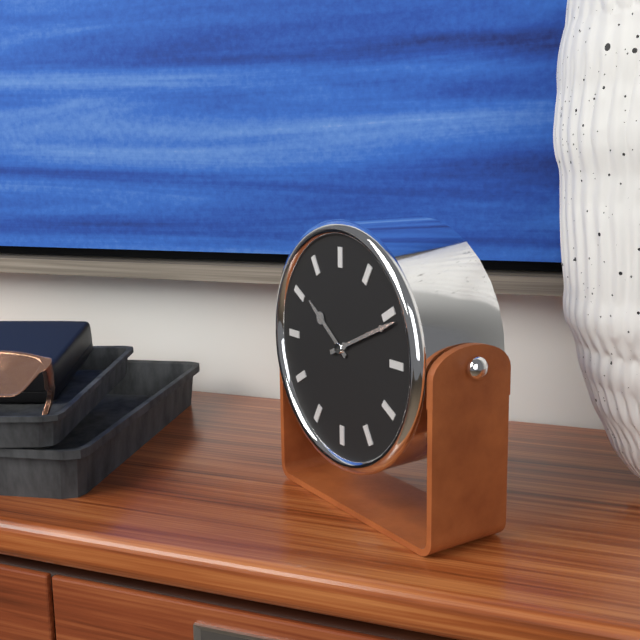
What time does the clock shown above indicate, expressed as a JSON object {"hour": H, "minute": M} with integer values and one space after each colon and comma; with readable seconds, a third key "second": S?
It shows {"hour": 10, "minute": 11}
